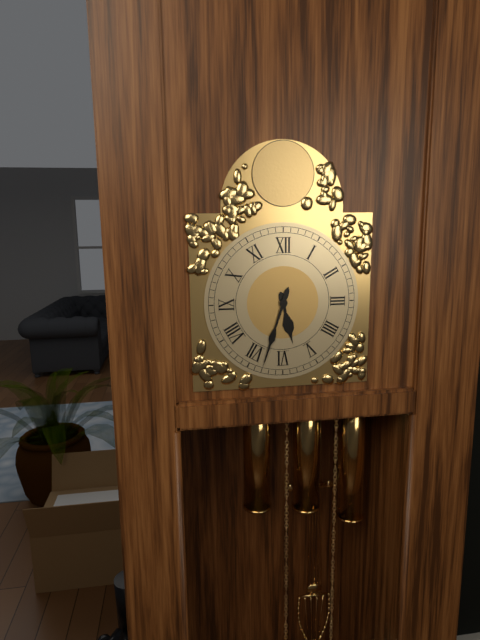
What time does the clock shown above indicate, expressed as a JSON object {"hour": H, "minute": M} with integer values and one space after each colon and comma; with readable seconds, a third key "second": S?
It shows {"hour": 5, "minute": 33}
